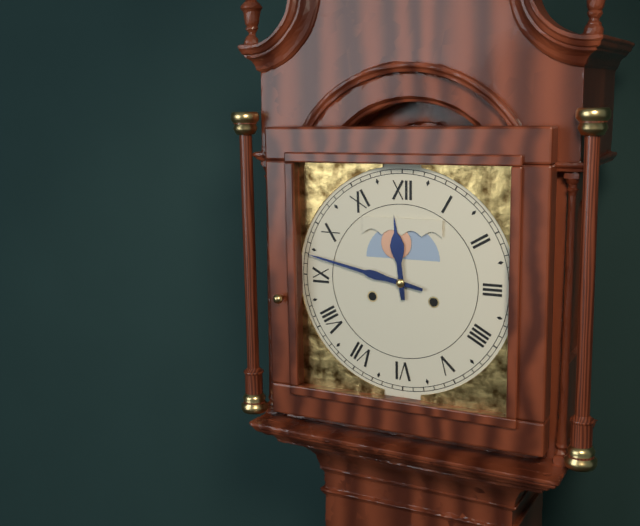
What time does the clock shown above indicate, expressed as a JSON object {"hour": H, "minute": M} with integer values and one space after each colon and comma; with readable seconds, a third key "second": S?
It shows {"hour": 11, "minute": 47}
